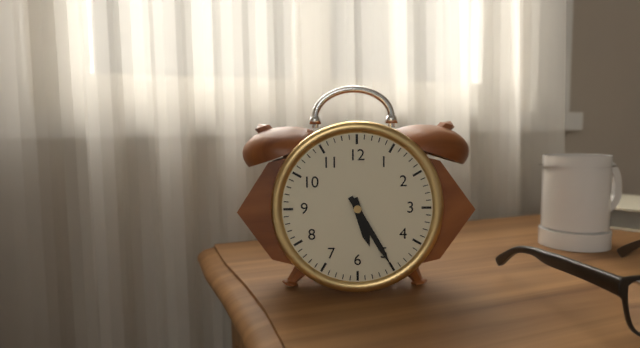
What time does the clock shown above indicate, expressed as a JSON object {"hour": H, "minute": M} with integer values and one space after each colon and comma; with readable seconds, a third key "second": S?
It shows {"hour": 5, "minute": 25}
